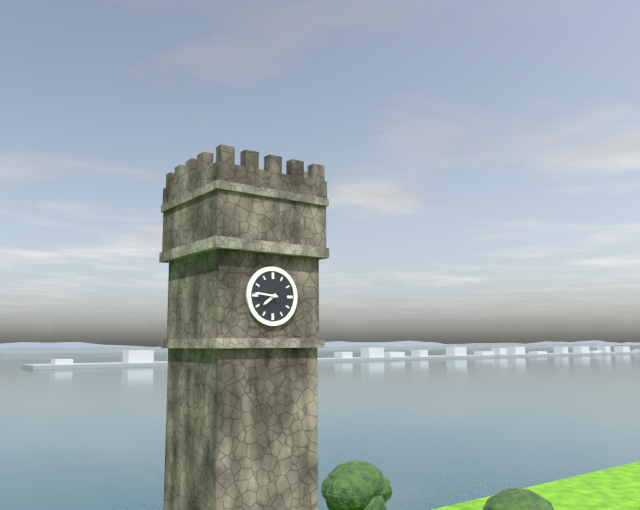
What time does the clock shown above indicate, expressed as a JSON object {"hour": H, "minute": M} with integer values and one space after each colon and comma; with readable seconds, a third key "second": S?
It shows {"hour": 7, "minute": 46}
